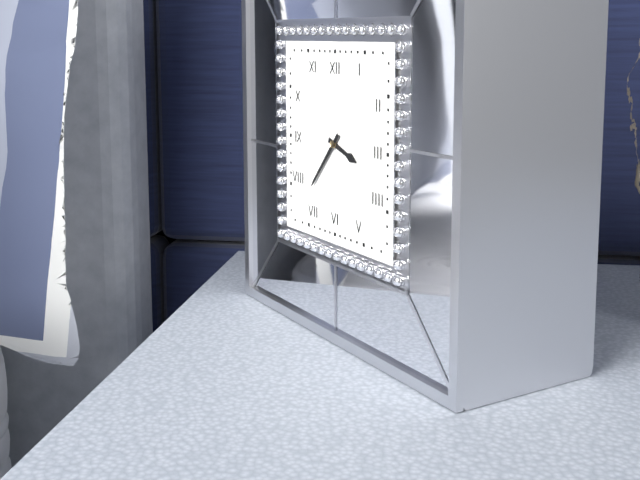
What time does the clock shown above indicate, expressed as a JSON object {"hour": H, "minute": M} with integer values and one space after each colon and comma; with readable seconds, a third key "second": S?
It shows {"hour": 3, "minute": 37}
